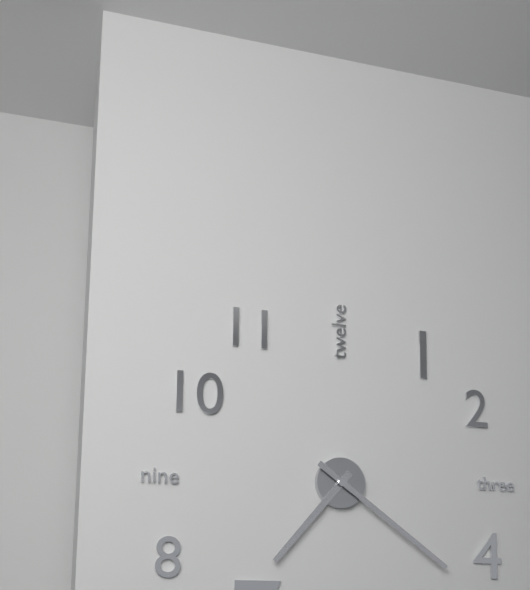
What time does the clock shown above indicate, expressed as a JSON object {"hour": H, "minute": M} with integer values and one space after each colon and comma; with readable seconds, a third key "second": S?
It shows {"hour": 7, "minute": 21}
